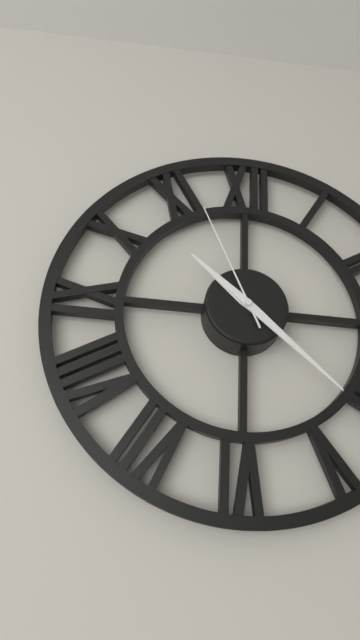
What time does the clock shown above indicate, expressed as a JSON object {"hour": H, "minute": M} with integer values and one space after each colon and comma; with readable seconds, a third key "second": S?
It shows {"hour": 10, "minute": 22, "second": 56}
